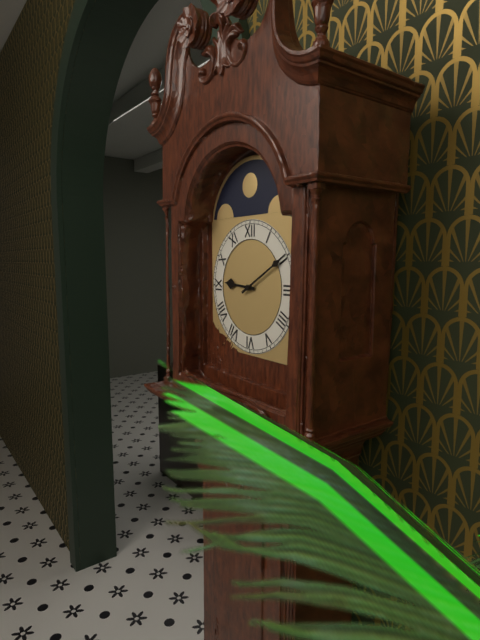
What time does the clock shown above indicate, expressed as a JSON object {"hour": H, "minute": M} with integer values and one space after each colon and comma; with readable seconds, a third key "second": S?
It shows {"hour": 9, "minute": 10}
